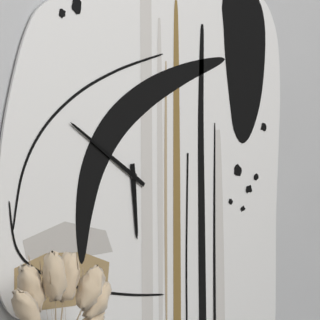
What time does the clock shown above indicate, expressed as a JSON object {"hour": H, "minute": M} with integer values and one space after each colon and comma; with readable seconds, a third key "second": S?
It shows {"hour": 5, "minute": 51}
